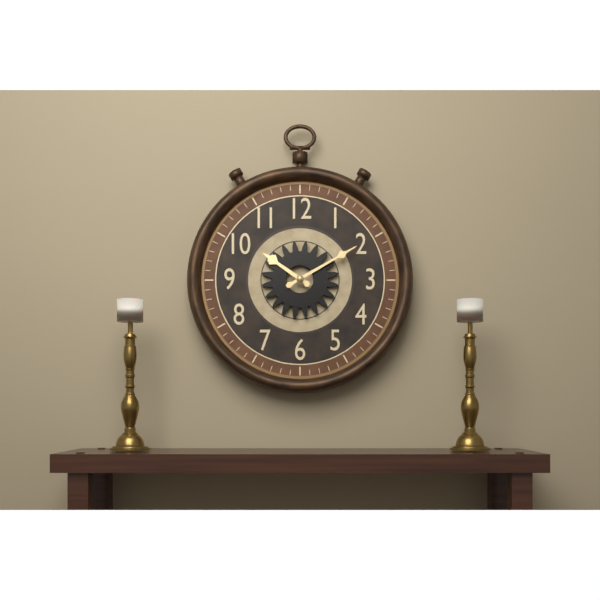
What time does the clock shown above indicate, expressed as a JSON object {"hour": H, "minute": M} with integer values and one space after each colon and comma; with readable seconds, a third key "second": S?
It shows {"hour": 10, "minute": 10}
